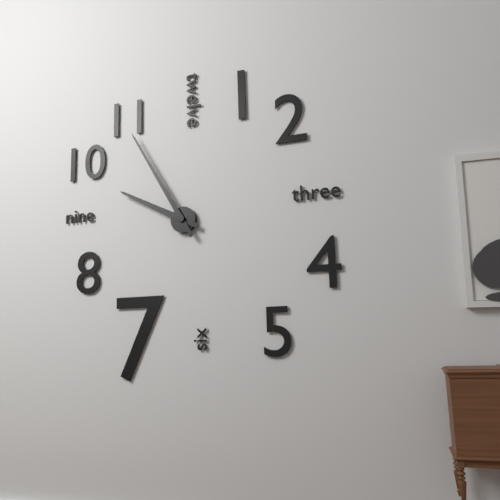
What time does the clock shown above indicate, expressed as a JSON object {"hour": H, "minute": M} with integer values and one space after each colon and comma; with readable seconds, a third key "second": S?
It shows {"hour": 9, "minute": 55}
